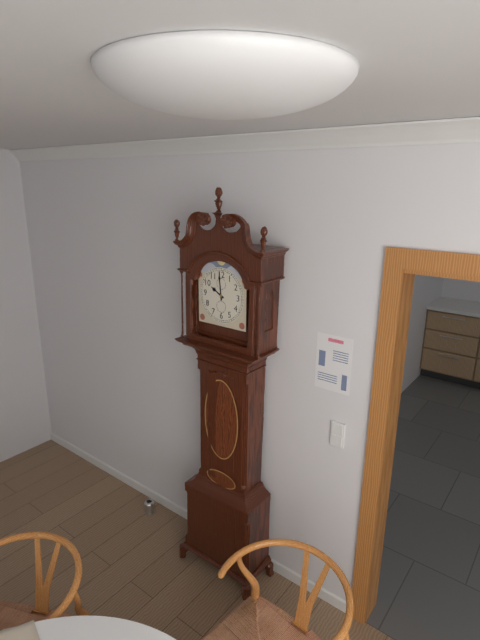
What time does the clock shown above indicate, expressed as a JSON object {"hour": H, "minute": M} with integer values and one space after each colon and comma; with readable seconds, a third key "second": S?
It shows {"hour": 9, "minute": 59}
